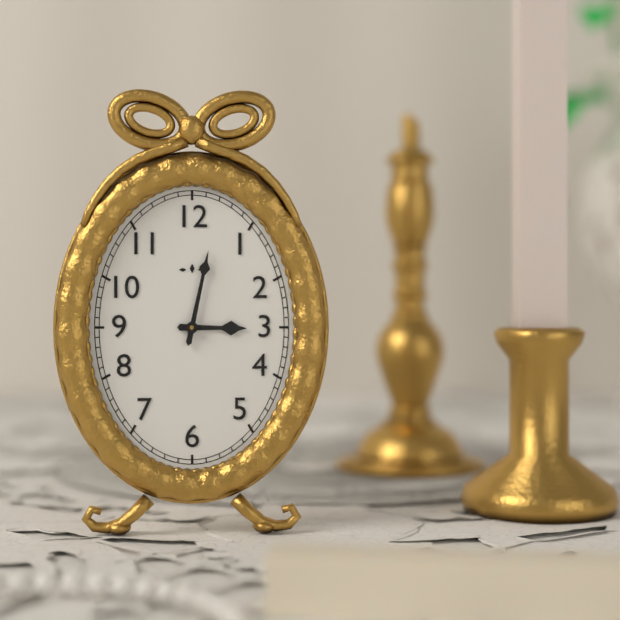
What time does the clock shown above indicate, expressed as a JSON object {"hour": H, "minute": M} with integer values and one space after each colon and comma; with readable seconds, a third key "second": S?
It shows {"hour": 3, "minute": 2}
